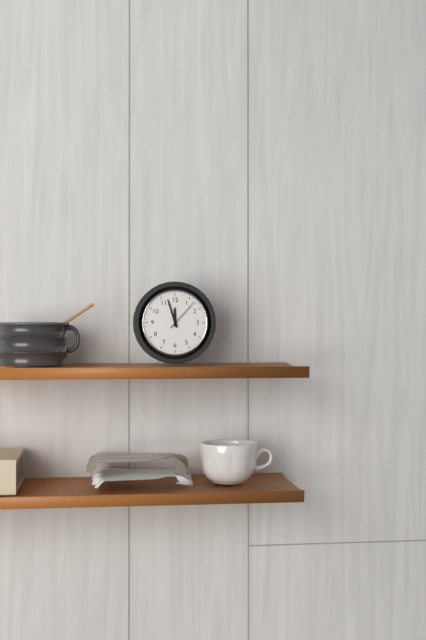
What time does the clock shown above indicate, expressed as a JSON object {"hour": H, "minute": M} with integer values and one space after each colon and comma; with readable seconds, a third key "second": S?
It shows {"hour": 11, "minute": 57}
